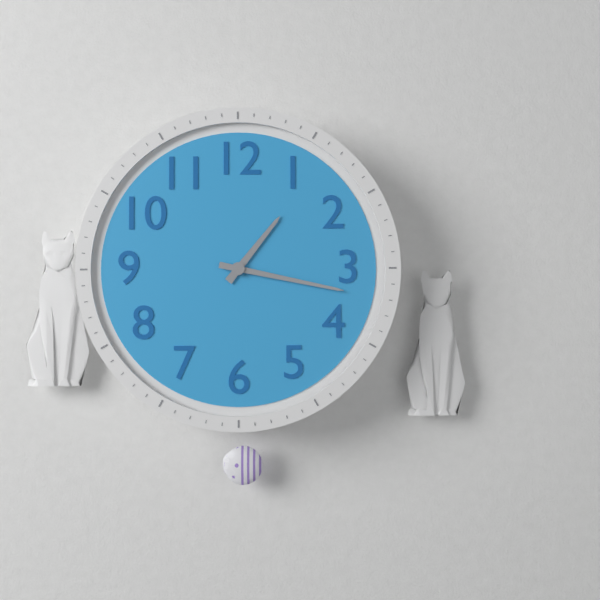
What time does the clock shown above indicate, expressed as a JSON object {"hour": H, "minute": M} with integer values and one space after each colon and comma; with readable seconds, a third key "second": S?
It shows {"hour": 1, "minute": 17}
